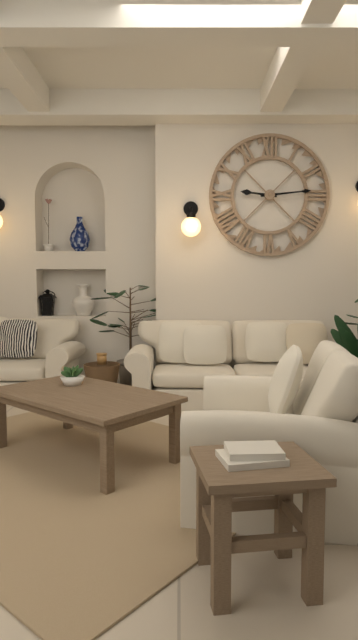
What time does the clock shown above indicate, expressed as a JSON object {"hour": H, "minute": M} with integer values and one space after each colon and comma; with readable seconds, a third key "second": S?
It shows {"hour": 9, "minute": 14}
